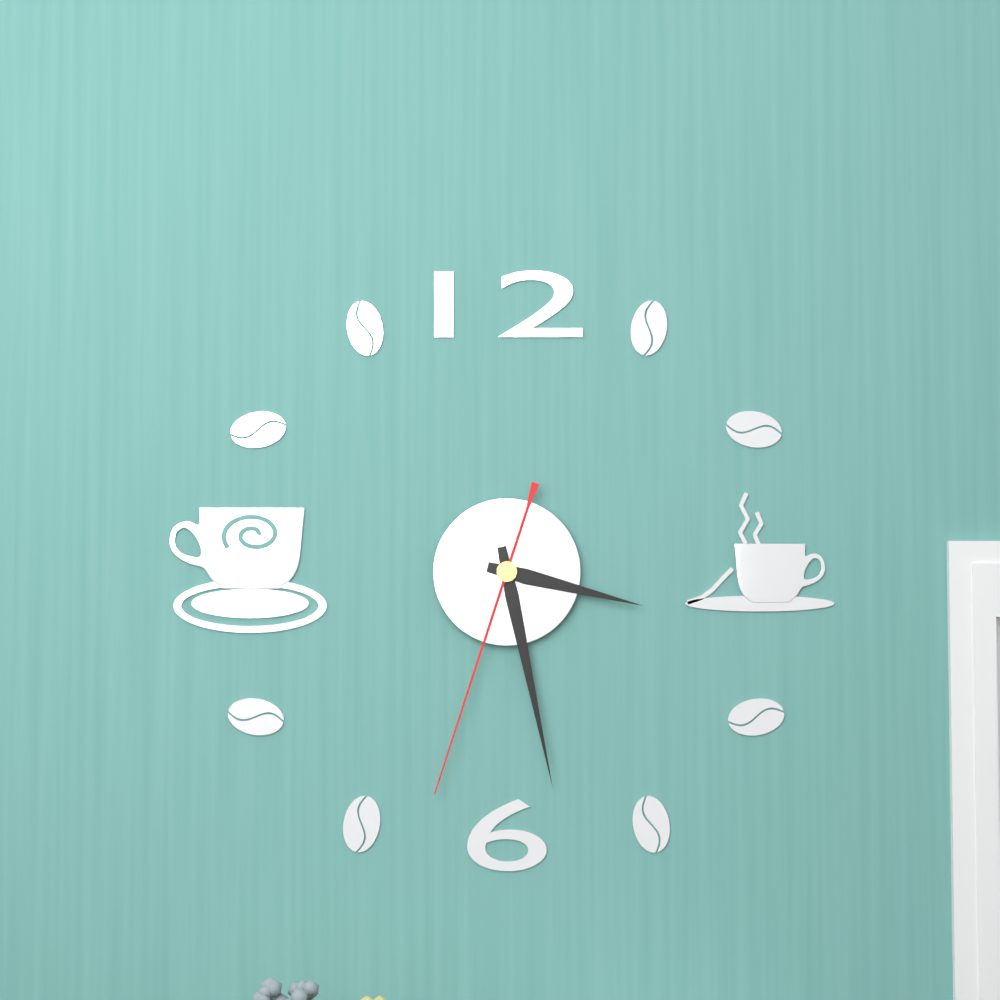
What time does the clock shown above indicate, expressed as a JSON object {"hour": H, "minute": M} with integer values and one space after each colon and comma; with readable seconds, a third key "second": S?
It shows {"hour": 3, "minute": 28, "second": 33}
